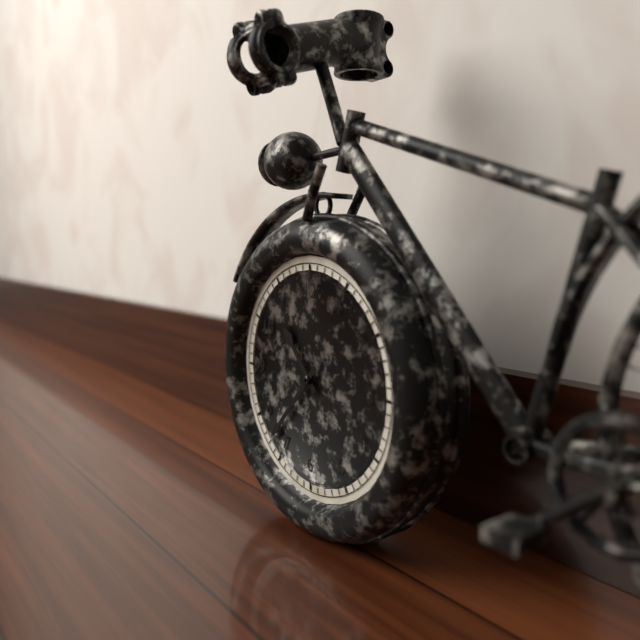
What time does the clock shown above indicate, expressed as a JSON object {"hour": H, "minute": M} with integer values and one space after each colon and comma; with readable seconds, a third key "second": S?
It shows {"hour": 10, "minute": 37}
